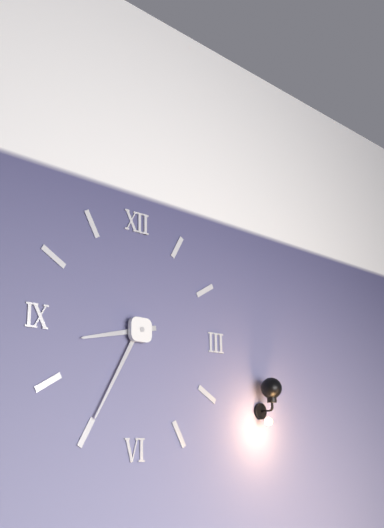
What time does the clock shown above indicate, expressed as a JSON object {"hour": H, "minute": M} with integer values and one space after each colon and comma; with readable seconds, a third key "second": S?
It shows {"hour": 8, "minute": 35}
